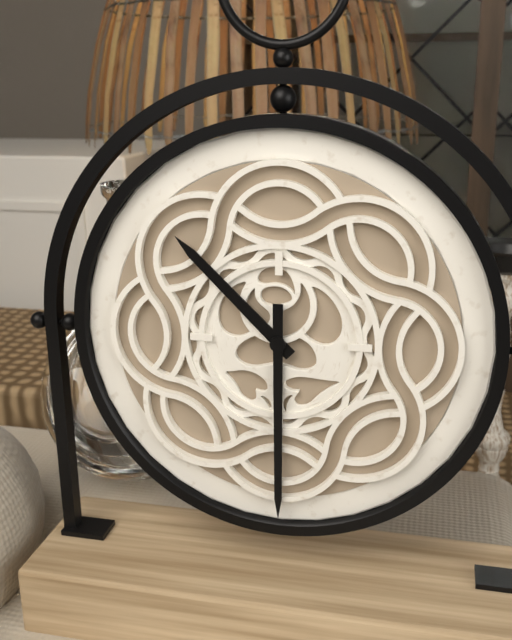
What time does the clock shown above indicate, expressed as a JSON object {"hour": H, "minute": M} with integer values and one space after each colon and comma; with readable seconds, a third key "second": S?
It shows {"hour": 10, "minute": 30}
